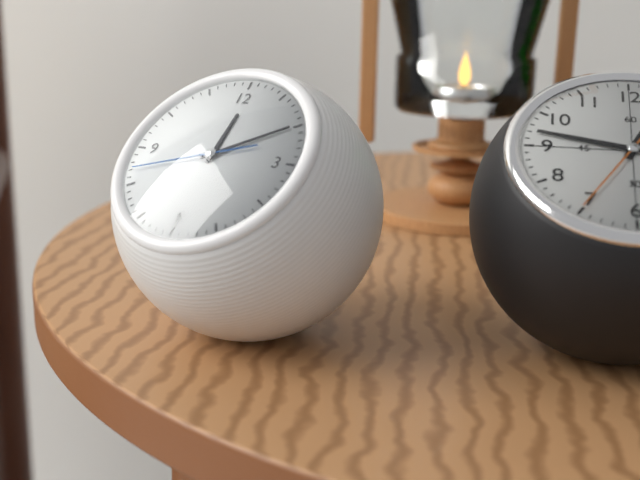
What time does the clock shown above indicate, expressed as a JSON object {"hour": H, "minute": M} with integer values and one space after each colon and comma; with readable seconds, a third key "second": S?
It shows {"hour": 12, "minute": 10, "second": 42}
